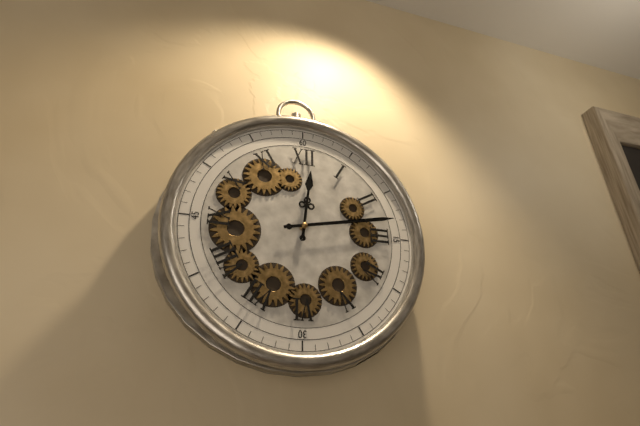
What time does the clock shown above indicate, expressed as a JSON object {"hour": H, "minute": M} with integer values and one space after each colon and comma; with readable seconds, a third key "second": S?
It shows {"hour": 12, "minute": 13}
